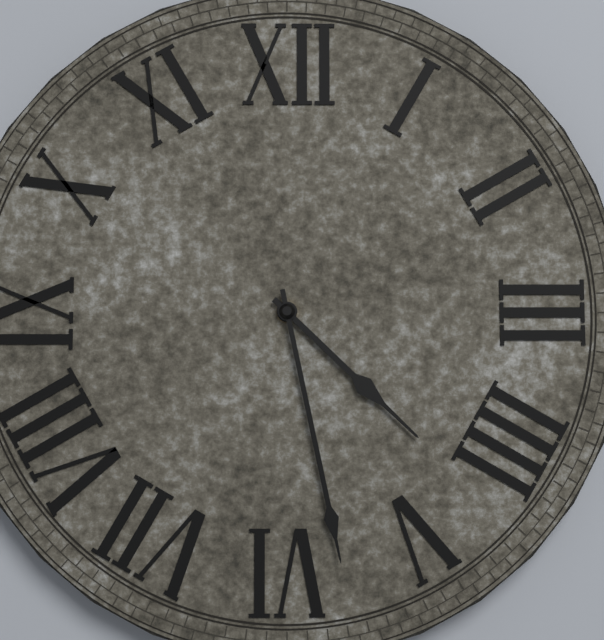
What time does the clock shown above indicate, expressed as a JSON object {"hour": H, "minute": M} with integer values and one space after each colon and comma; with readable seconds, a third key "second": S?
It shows {"hour": 4, "minute": 28}
